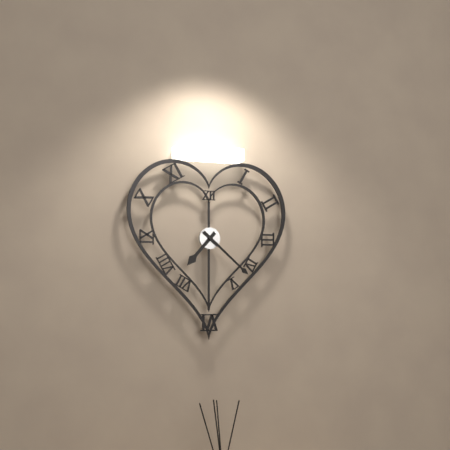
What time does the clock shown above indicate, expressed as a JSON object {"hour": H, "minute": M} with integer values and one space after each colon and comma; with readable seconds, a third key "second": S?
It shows {"hour": 7, "minute": 22}
